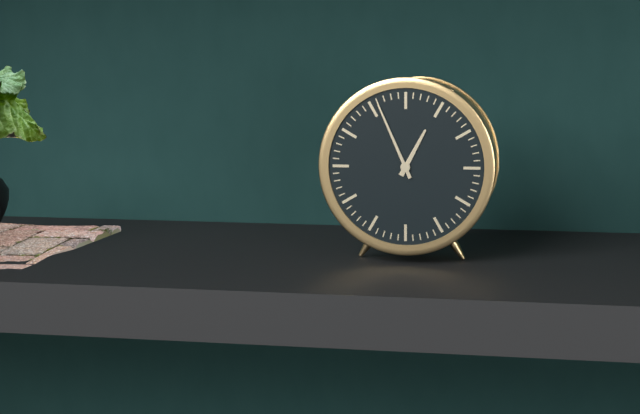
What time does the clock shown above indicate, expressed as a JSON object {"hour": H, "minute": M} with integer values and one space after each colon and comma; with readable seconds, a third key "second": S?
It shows {"hour": 12, "minute": 56}
